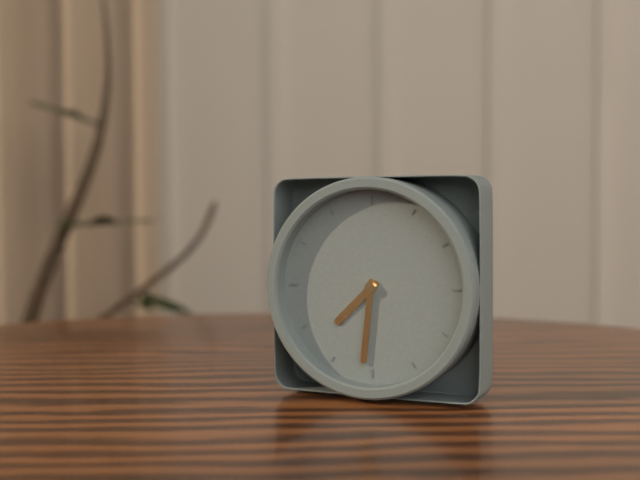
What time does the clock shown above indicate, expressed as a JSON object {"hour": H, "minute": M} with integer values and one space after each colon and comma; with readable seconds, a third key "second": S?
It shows {"hour": 7, "minute": 31}
